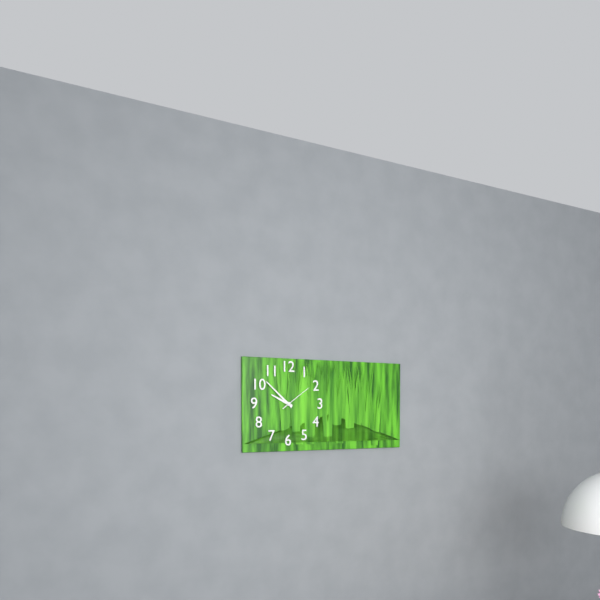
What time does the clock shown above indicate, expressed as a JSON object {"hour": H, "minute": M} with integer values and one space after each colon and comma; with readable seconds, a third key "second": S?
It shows {"hour": 9, "minute": 52}
